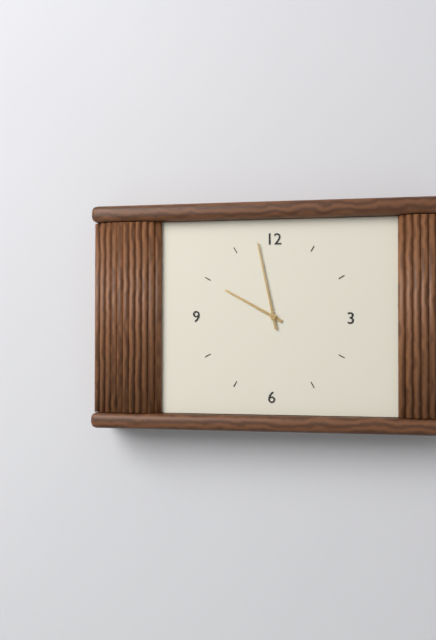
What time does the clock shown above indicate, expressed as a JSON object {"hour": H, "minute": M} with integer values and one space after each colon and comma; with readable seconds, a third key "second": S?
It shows {"hour": 9, "minute": 58}
